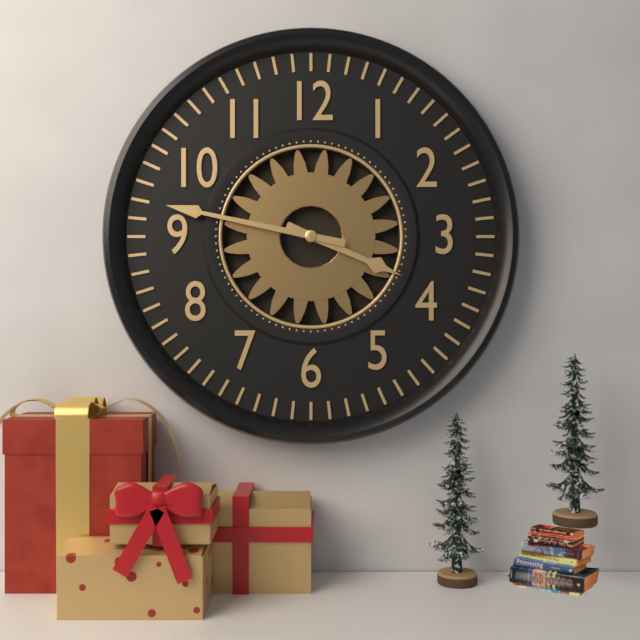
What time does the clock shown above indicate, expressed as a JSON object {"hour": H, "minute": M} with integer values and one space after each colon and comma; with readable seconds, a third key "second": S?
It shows {"hour": 3, "minute": 47}
